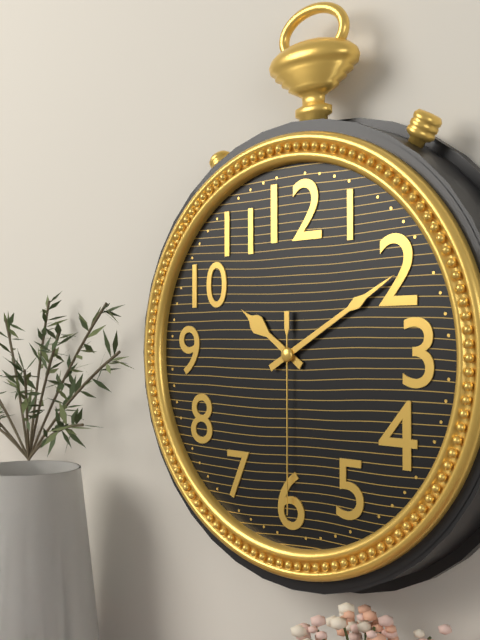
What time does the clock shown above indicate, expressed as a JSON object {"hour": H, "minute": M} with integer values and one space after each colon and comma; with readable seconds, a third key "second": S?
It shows {"hour": 10, "minute": 10, "second": 30}
